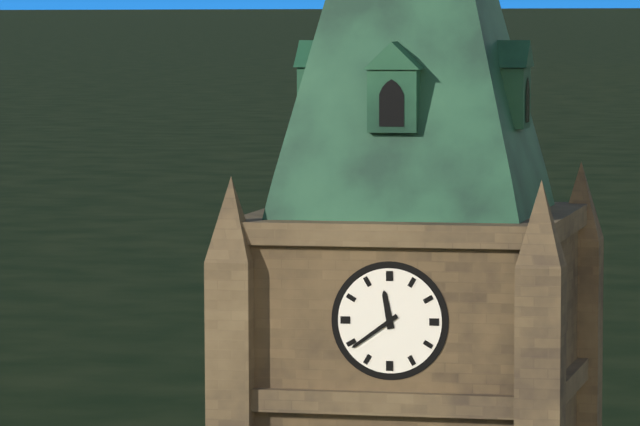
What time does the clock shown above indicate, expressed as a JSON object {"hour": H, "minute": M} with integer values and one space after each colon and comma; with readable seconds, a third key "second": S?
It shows {"hour": 11, "minute": 39}
